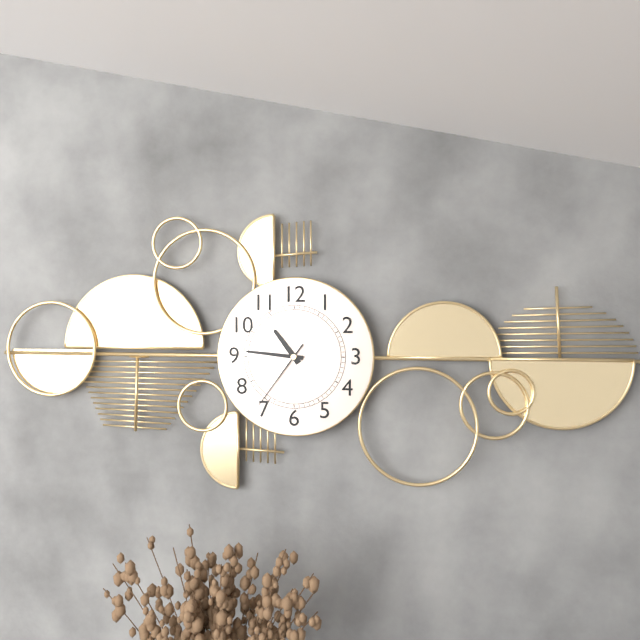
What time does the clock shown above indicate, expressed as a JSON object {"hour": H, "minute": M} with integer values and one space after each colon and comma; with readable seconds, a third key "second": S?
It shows {"hour": 10, "minute": 46, "second": 36}
